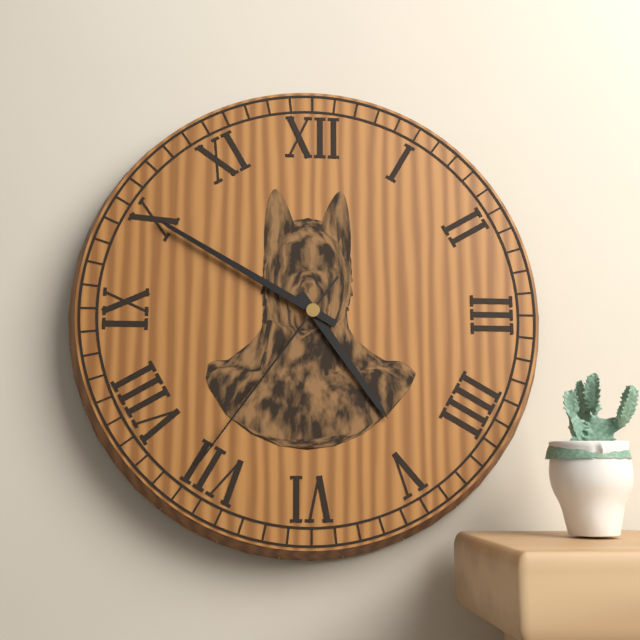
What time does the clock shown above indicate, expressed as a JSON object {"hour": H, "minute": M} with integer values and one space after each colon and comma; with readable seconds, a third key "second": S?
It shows {"hour": 4, "minute": 50, "second": 36}
